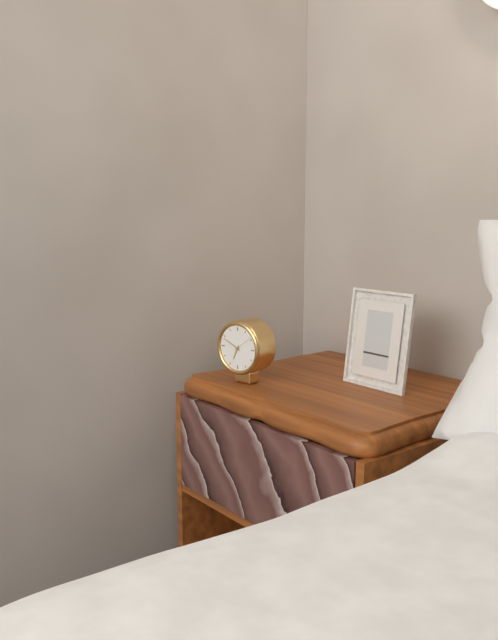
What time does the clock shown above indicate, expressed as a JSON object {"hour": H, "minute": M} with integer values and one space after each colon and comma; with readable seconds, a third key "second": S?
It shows {"hour": 6, "minute": 49}
